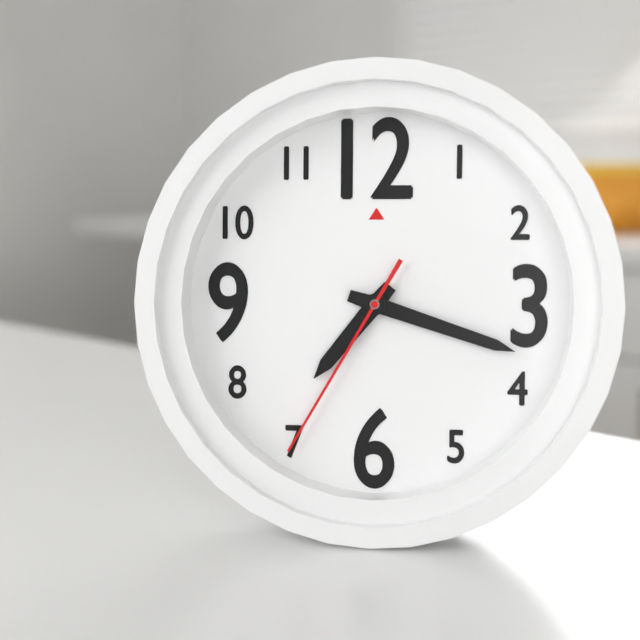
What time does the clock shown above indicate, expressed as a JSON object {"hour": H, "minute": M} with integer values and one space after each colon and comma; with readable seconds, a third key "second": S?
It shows {"hour": 7, "minute": 18, "second": 35}
